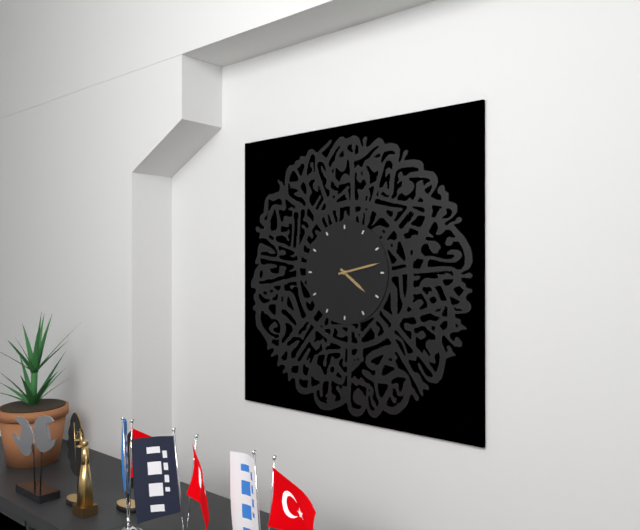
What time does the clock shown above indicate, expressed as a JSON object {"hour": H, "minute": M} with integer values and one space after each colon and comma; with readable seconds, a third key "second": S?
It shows {"hour": 4, "minute": 13}
